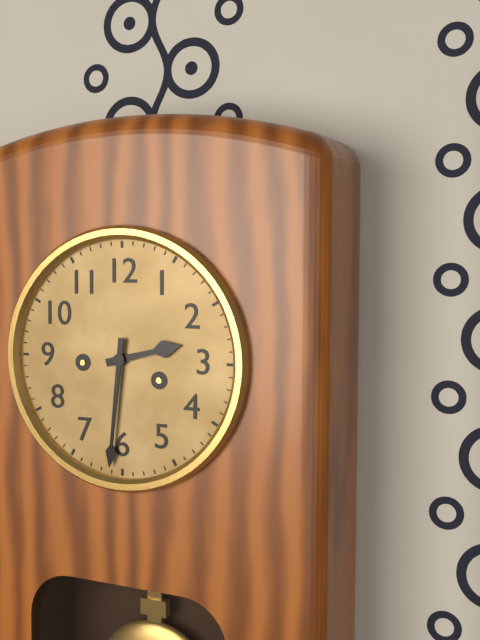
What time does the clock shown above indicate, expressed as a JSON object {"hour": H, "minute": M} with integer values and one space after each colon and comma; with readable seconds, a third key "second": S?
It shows {"hour": 2, "minute": 31}
